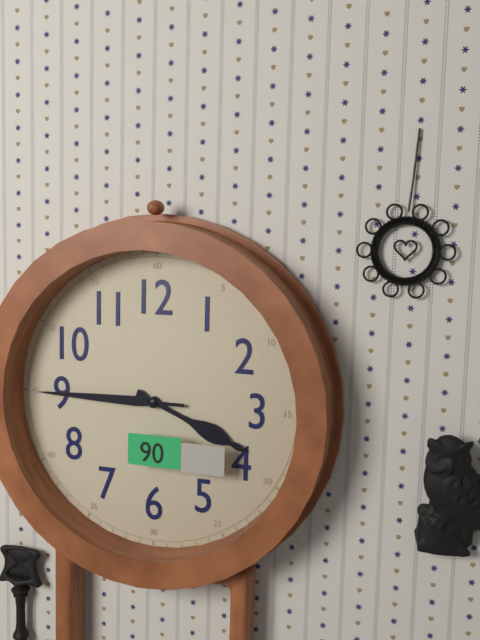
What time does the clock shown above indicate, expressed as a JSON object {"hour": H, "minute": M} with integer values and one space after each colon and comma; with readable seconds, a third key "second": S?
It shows {"hour": 3, "minute": 45}
